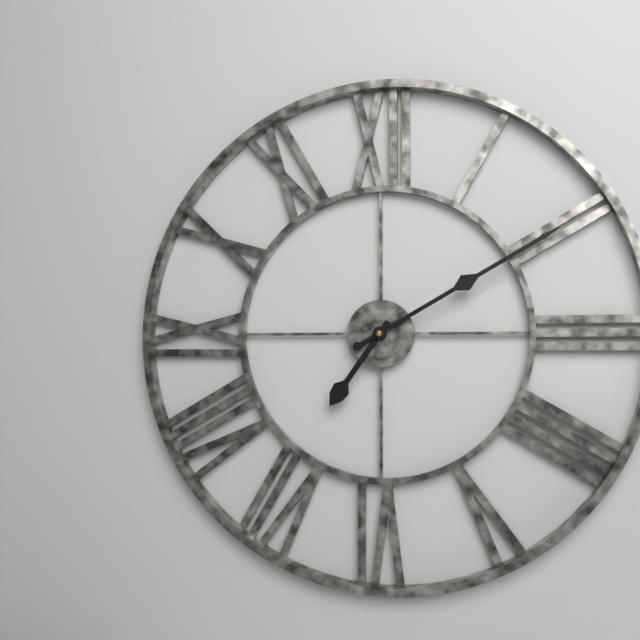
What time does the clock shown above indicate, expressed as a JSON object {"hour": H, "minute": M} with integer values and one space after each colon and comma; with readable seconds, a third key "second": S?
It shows {"hour": 7, "minute": 10}
